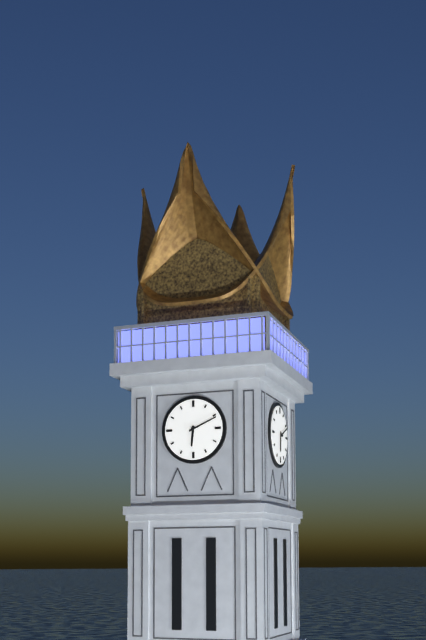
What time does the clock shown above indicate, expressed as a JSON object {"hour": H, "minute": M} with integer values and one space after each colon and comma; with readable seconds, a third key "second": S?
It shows {"hour": 6, "minute": 11}
